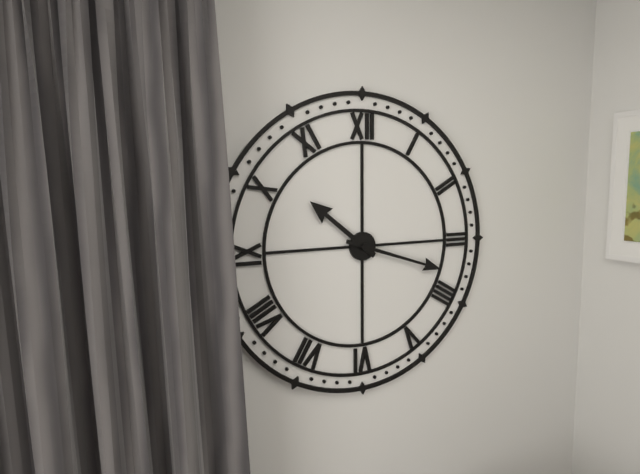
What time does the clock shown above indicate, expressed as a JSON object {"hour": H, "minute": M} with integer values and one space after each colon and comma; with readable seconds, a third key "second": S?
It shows {"hour": 10, "minute": 18}
